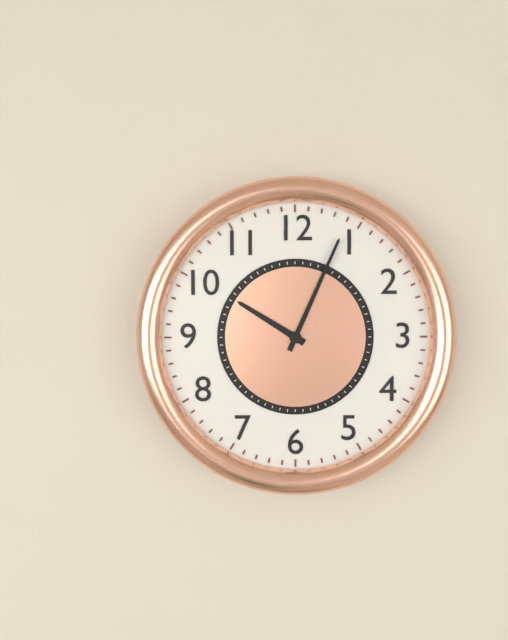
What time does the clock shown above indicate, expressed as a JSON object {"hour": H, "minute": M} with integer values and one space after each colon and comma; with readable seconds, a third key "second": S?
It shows {"hour": 10, "minute": 4}
